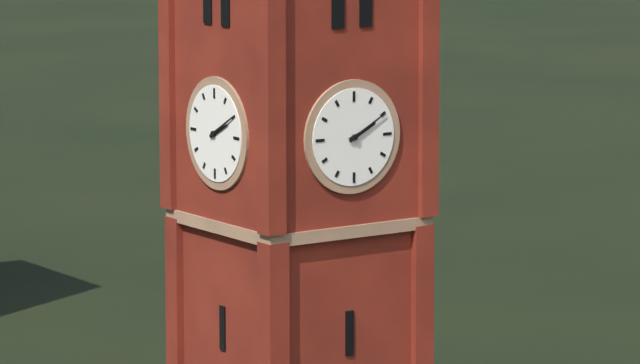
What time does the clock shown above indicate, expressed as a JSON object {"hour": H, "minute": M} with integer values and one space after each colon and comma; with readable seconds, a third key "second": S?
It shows {"hour": 2, "minute": 10}
